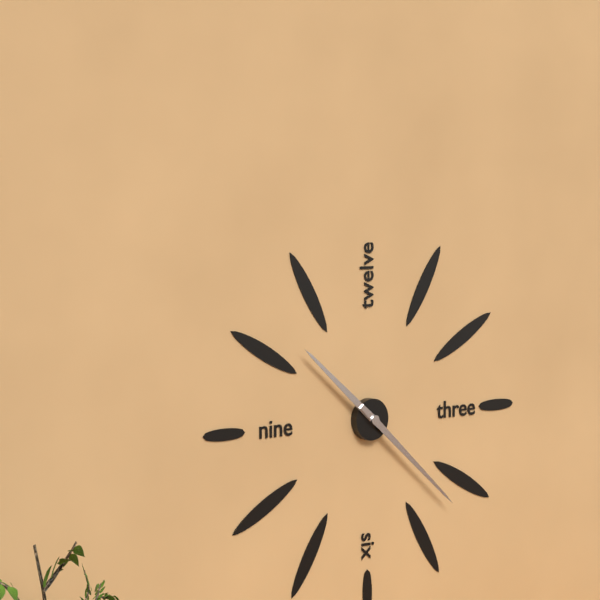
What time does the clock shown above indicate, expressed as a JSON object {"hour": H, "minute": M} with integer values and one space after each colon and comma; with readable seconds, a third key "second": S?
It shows {"hour": 10, "minute": 22}
